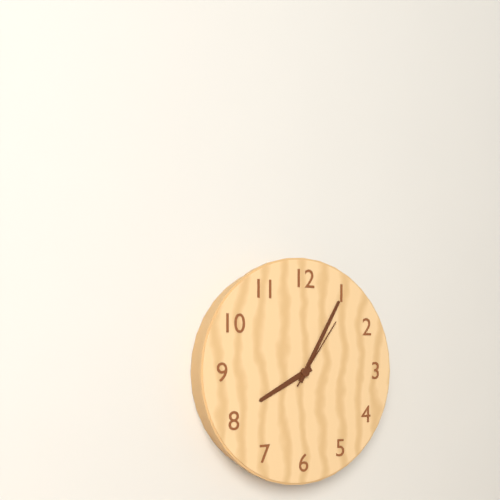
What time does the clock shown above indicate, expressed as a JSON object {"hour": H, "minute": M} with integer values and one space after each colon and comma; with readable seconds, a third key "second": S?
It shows {"hour": 8, "minute": 5, "second": 6}
